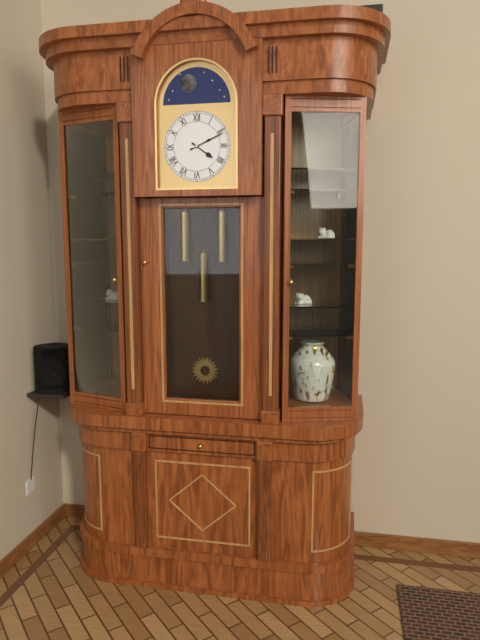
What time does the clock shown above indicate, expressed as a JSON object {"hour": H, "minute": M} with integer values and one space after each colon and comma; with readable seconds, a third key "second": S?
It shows {"hour": 4, "minute": 11}
